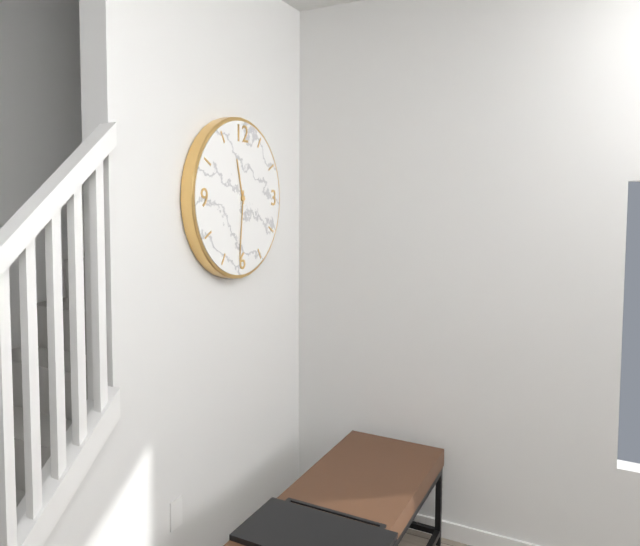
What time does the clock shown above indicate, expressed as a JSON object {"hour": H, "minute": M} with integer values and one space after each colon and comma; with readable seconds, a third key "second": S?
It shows {"hour": 11, "minute": 31}
